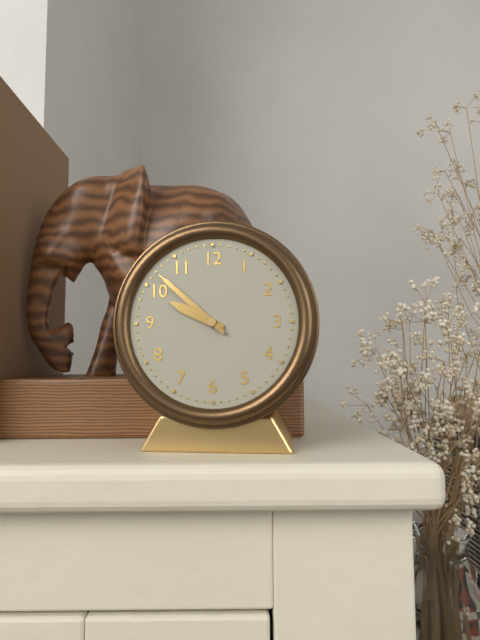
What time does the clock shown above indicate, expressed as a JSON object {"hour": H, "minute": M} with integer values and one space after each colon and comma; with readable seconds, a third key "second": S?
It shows {"hour": 9, "minute": 52}
